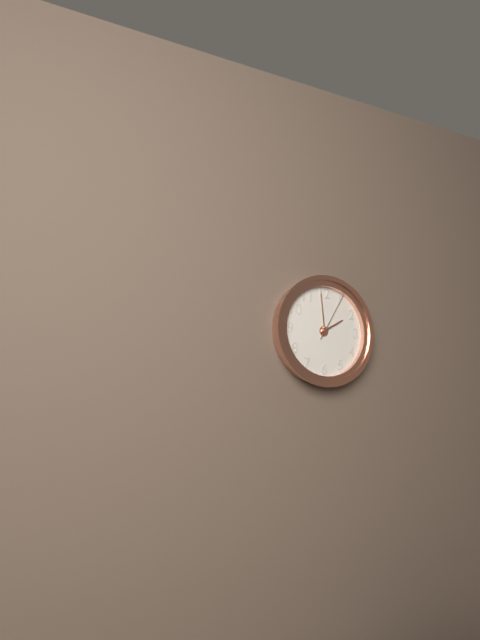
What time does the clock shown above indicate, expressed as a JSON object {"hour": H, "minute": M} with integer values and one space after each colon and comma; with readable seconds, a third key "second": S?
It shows {"hour": 1, "minute": 59, "second": 5}
